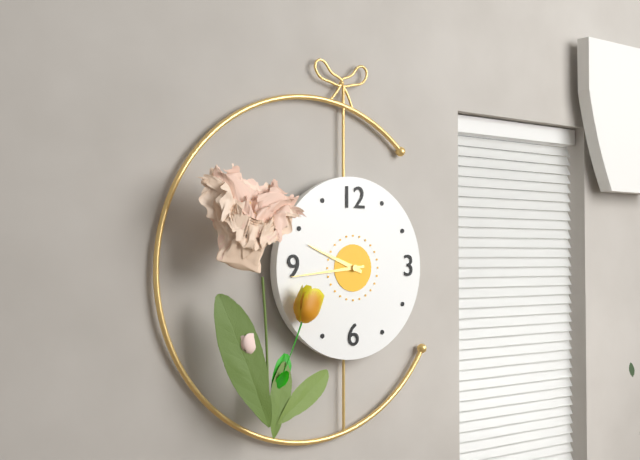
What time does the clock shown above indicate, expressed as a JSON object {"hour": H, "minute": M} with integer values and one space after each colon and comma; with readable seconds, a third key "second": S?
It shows {"hour": 9, "minute": 44}
